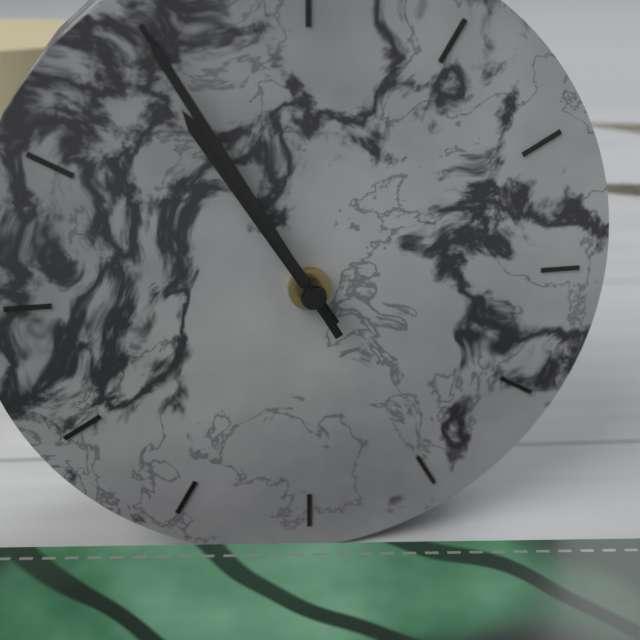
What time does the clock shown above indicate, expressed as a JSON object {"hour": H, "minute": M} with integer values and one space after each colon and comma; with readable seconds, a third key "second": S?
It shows {"hour": 10, "minute": 55}
